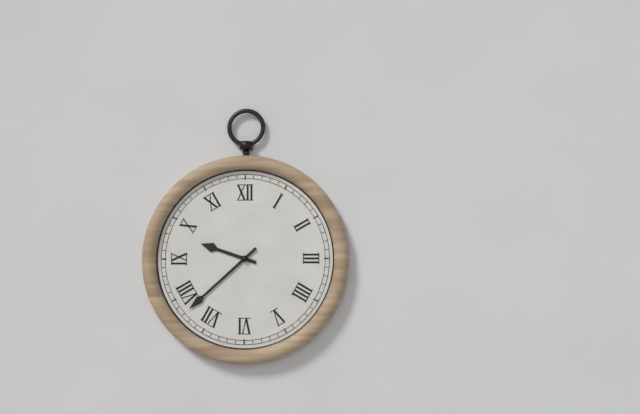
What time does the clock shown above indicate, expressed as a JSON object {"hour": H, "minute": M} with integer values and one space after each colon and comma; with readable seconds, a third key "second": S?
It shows {"hour": 9, "minute": 38}
